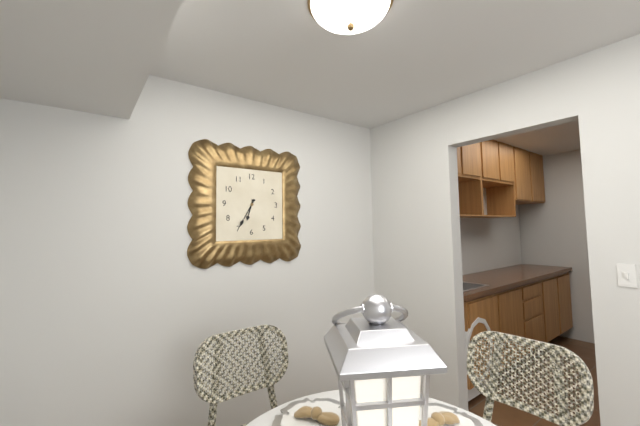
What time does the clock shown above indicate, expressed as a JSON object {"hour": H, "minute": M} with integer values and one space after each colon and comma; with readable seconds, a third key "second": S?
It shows {"hour": 6, "minute": 35}
